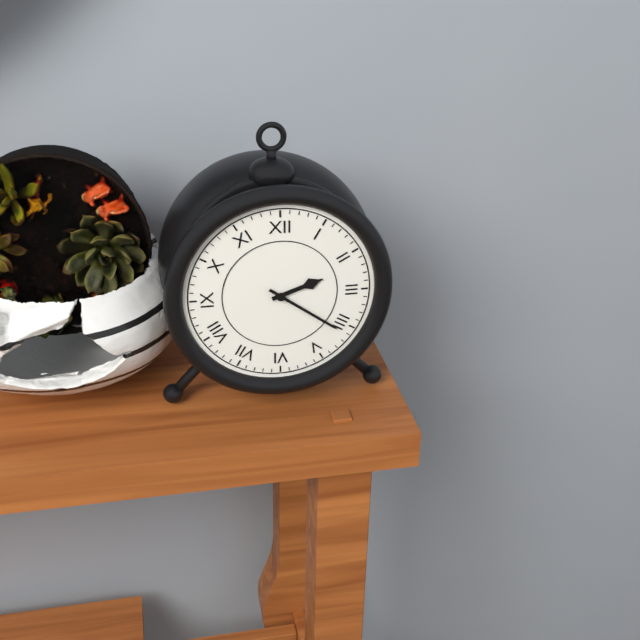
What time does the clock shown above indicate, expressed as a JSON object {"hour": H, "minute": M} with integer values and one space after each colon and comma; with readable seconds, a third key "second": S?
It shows {"hour": 2, "minute": 21}
